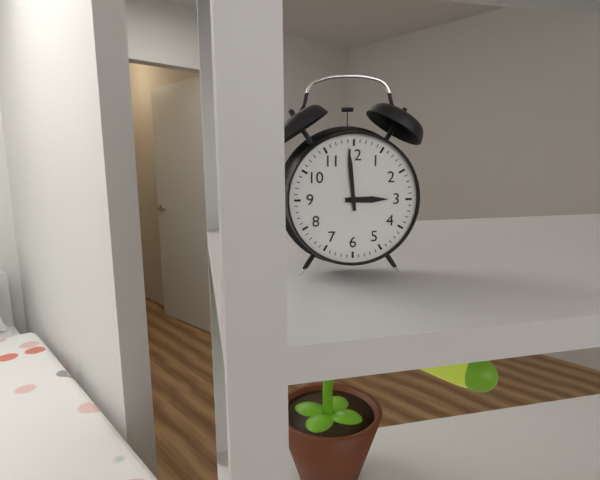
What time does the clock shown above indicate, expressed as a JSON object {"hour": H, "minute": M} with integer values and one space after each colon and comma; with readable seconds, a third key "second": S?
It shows {"hour": 2, "minute": 59}
